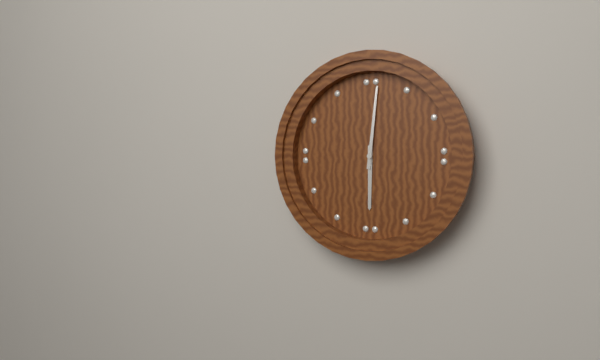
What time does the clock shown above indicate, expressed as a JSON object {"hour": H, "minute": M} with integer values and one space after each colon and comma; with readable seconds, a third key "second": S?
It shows {"hour": 6, "minute": 1}
